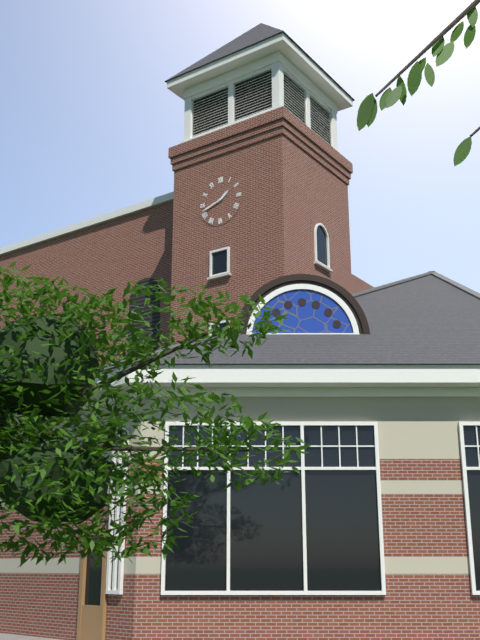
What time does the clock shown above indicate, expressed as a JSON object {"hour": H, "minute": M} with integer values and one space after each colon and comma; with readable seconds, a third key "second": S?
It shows {"hour": 1, "minute": 42}
